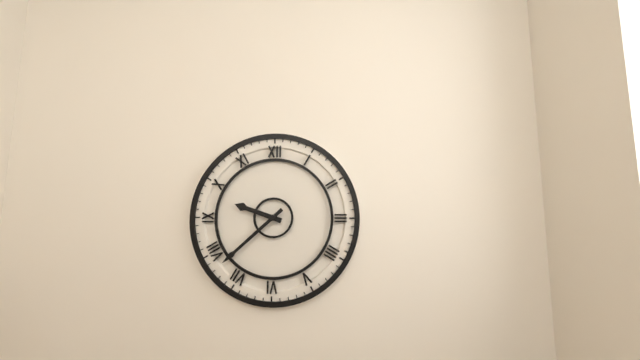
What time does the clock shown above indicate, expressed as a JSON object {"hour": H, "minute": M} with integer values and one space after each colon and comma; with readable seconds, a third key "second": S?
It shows {"hour": 9, "minute": 38}
